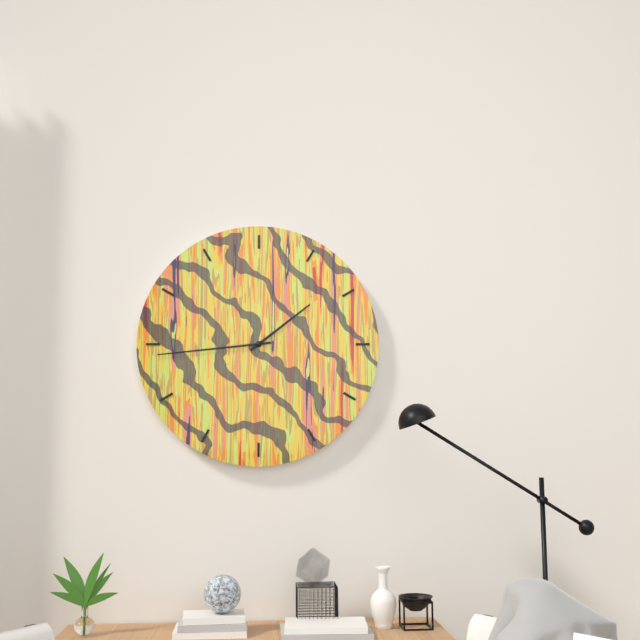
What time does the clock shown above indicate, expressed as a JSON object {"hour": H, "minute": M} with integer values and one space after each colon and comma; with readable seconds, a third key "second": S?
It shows {"hour": 1, "minute": 44}
